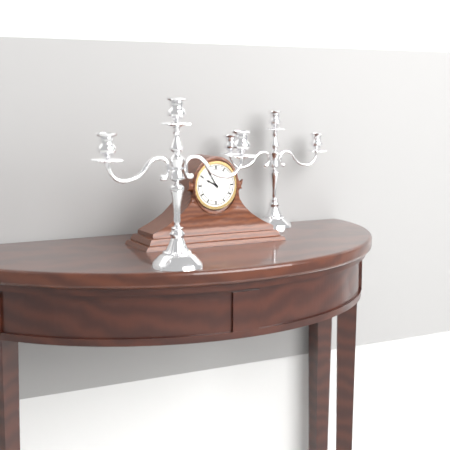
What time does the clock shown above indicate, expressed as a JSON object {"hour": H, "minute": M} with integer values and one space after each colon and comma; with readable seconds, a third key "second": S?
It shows {"hour": 9, "minute": 55}
